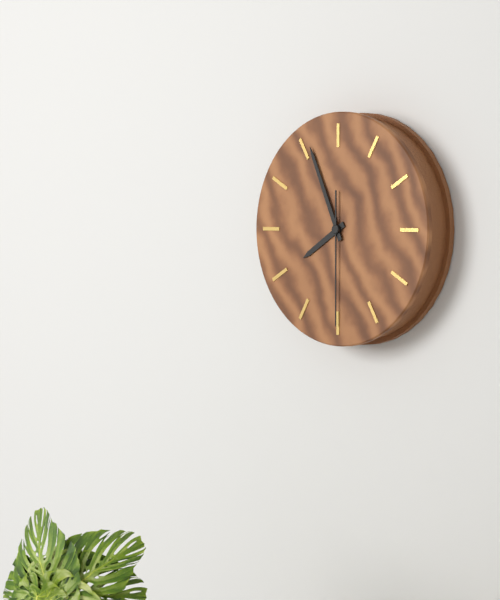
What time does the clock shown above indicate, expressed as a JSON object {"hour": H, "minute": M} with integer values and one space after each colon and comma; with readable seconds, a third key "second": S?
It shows {"hour": 7, "minute": 56, "second": 30}
